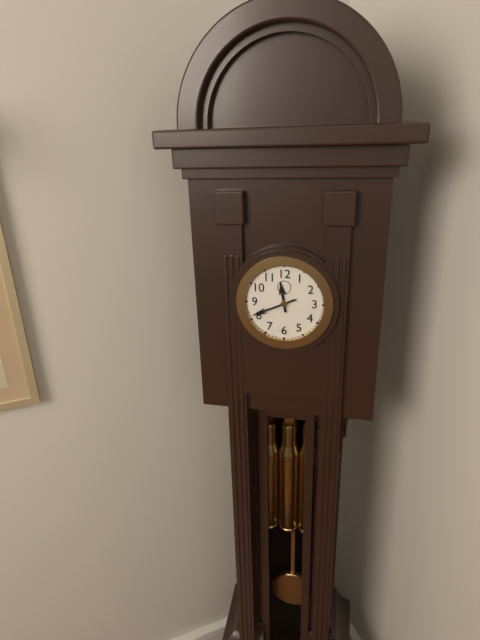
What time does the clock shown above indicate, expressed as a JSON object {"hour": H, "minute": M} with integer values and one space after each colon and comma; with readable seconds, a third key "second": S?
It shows {"hour": 11, "minute": 41}
